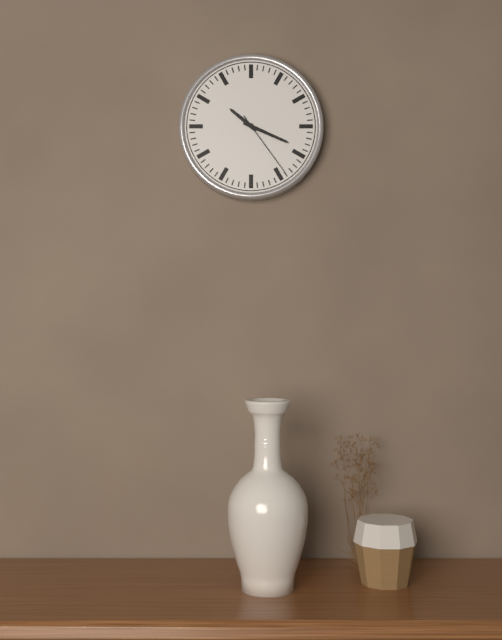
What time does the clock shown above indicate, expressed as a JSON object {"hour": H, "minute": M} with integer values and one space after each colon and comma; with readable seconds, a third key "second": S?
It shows {"hour": 10, "minute": 19, "second": 24}
